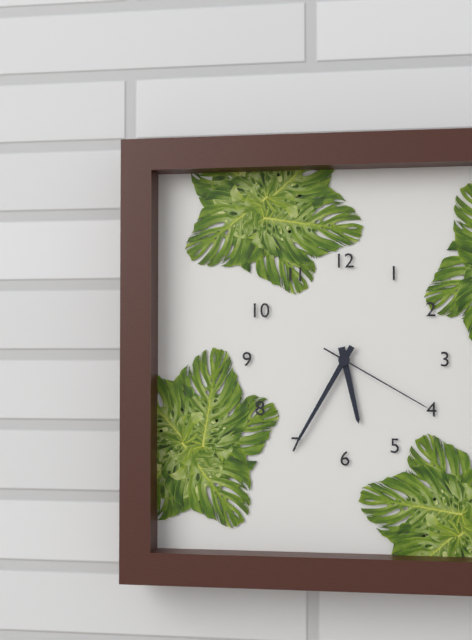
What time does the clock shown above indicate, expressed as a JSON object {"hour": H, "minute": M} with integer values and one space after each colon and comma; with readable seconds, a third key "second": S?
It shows {"hour": 5, "minute": 35, "second": 20}
